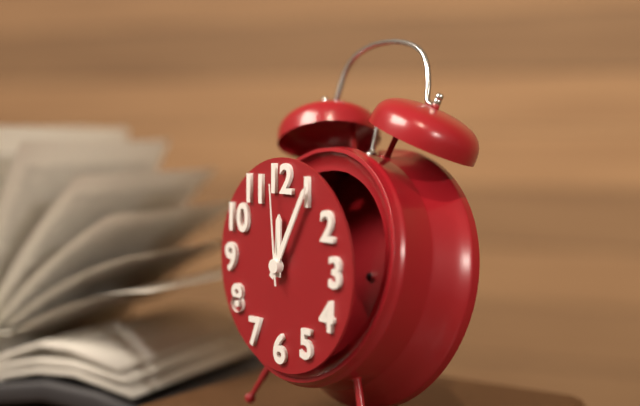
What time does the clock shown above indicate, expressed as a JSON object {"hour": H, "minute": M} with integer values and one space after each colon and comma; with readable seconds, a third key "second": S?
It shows {"hour": 12, "minute": 5, "second": 59}
